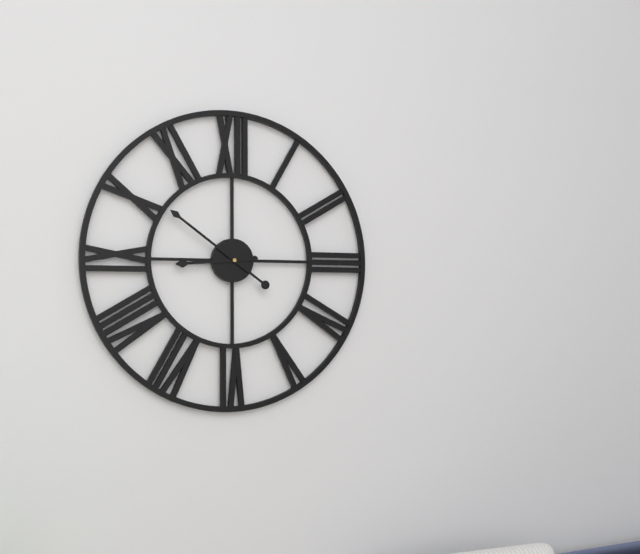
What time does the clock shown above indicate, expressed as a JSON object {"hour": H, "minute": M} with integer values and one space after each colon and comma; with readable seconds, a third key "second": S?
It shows {"hour": 8, "minute": 51}
